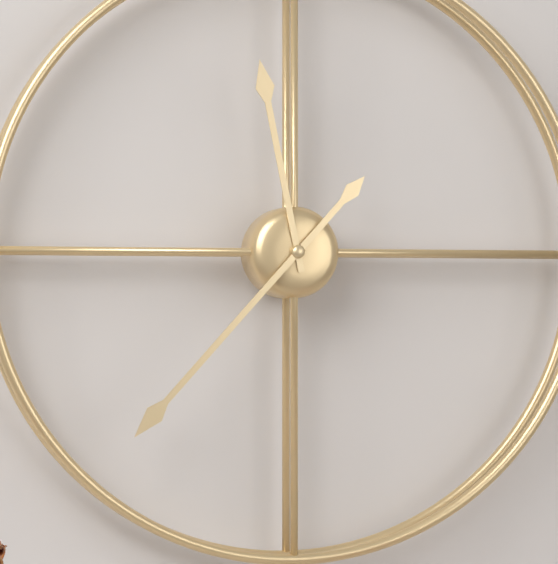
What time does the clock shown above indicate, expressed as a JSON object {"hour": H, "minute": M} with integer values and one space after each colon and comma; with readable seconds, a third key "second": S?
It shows {"hour": 11, "minute": 37}
